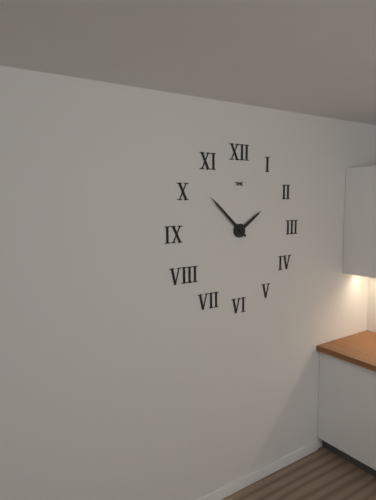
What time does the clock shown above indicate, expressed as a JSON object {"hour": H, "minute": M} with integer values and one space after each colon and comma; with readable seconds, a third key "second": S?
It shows {"hour": 1, "minute": 52}
